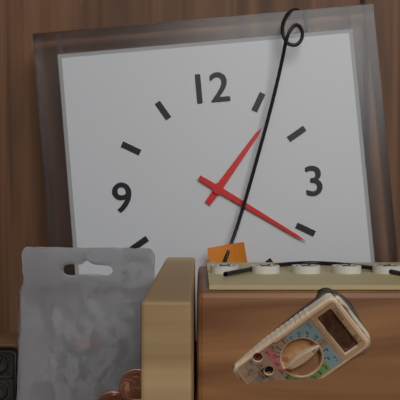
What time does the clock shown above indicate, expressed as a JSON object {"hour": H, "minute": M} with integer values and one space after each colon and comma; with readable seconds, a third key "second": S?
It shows {"hour": 1, "minute": 21}
